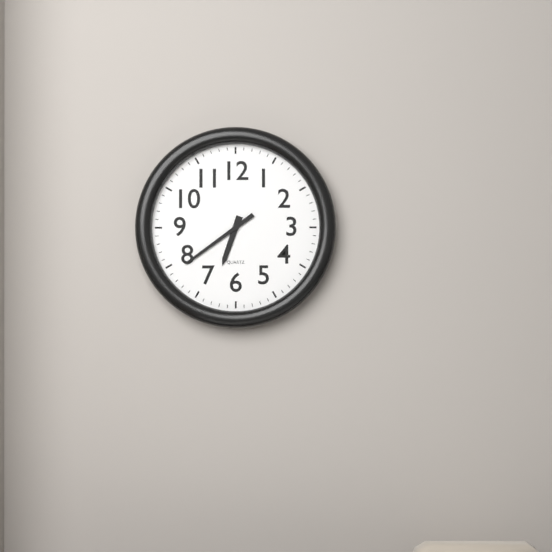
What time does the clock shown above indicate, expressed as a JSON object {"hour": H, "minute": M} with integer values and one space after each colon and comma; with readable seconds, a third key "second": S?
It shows {"hour": 6, "minute": 39}
